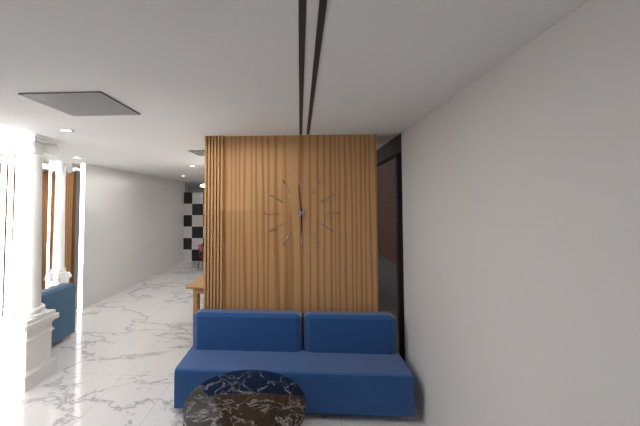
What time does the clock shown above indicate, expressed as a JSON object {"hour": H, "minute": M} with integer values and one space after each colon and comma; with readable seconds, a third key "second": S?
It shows {"hour": 5, "minute": 59}
